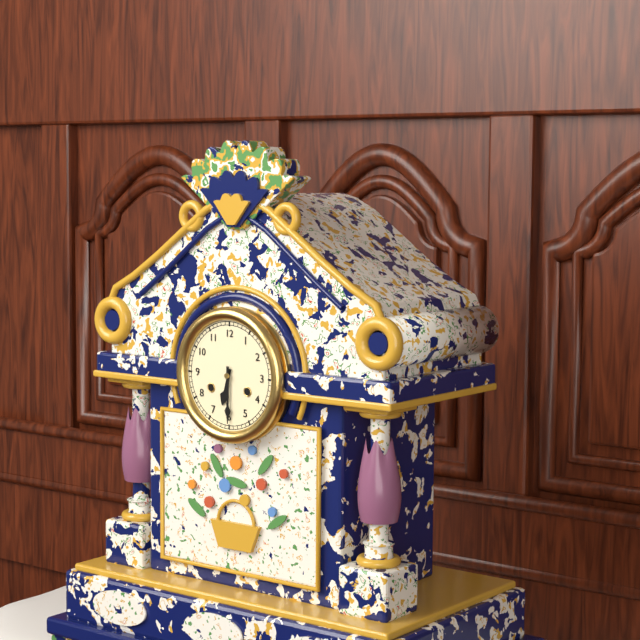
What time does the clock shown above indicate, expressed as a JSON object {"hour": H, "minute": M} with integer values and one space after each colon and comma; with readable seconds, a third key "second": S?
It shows {"hour": 6, "minute": 30}
